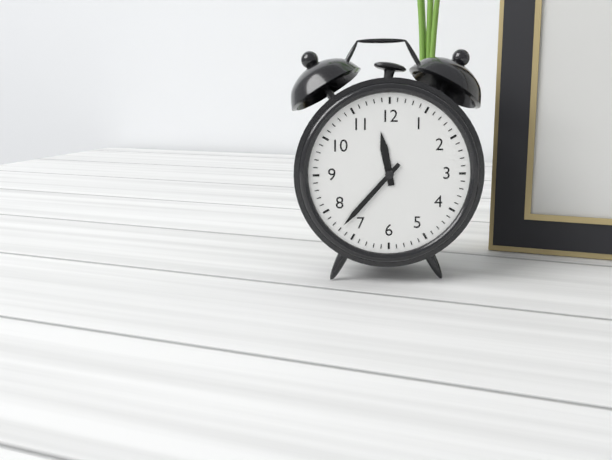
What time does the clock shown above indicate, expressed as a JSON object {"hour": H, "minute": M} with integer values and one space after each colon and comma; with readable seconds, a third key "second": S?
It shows {"hour": 11, "minute": 37}
